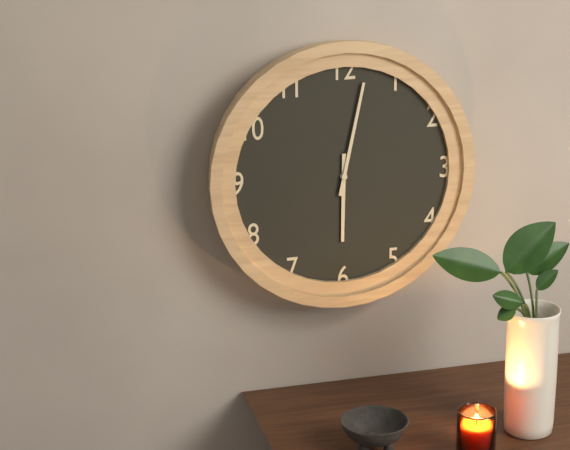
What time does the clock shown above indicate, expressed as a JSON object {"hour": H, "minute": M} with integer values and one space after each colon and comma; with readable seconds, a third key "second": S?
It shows {"hour": 6, "minute": 2}
